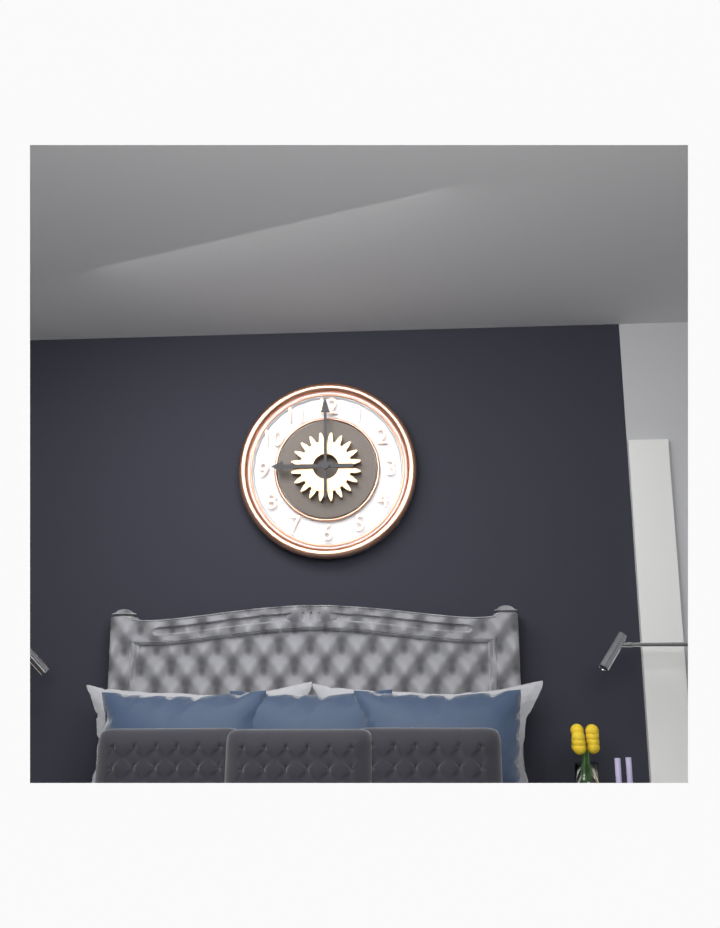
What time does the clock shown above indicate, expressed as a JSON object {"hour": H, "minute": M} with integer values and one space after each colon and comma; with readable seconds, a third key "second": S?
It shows {"hour": 9, "minute": 0}
